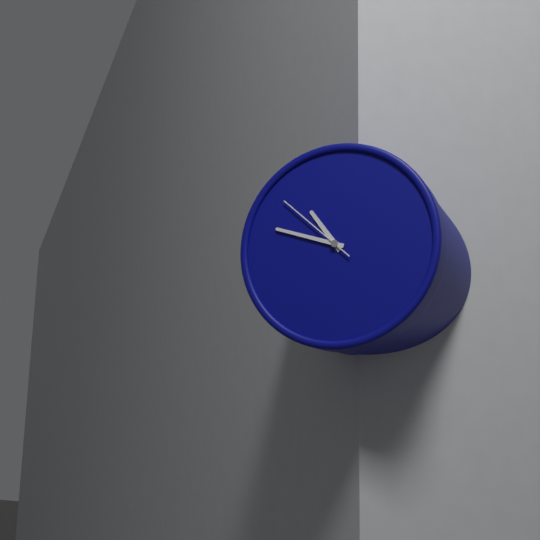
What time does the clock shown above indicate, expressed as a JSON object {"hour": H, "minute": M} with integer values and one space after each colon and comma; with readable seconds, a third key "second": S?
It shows {"hour": 10, "minute": 48, "second": 52}
